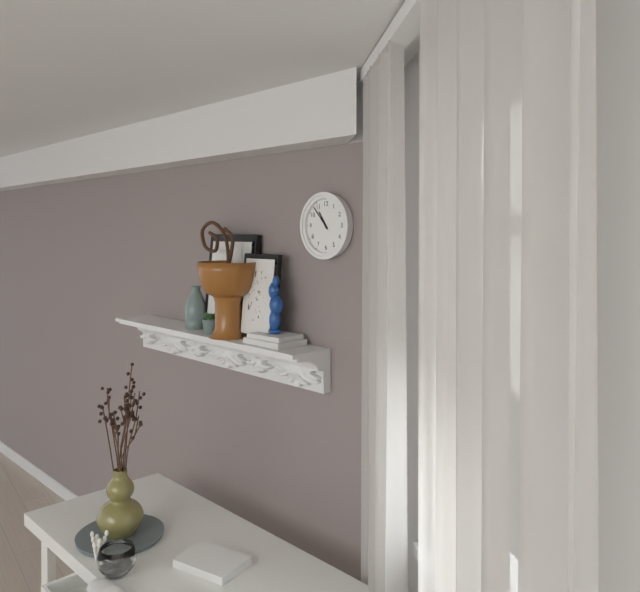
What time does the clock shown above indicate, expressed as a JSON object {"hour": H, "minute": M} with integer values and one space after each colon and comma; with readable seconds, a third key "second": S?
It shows {"hour": 10, "minute": 53}
